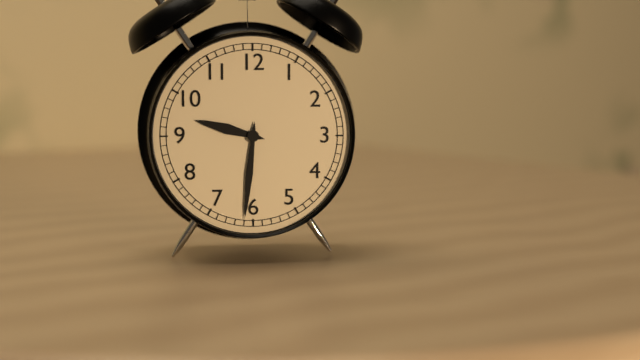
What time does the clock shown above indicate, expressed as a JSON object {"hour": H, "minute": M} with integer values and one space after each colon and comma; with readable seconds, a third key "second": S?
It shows {"hour": 9, "minute": 31}
